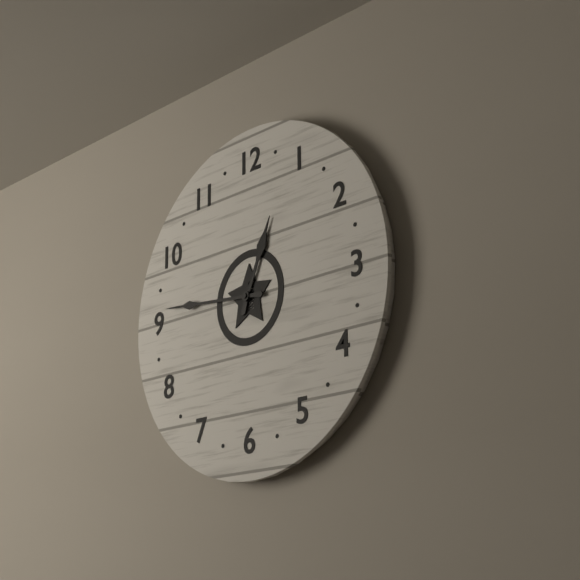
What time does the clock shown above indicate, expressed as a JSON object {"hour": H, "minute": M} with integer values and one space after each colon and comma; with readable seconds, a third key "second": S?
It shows {"hour": 12, "minute": 46}
